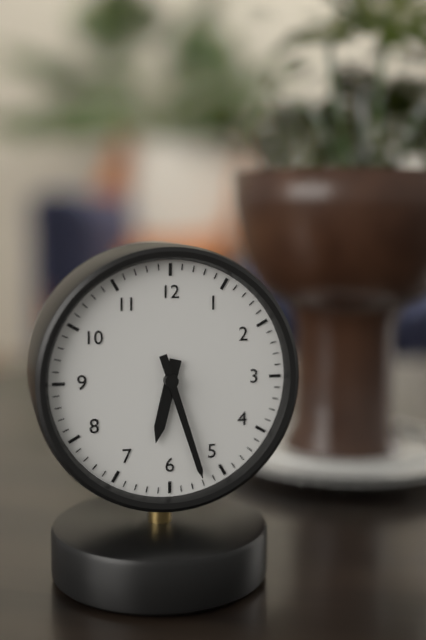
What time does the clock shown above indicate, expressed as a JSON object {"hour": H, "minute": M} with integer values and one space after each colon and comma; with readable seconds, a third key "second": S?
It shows {"hour": 6, "minute": 27}
